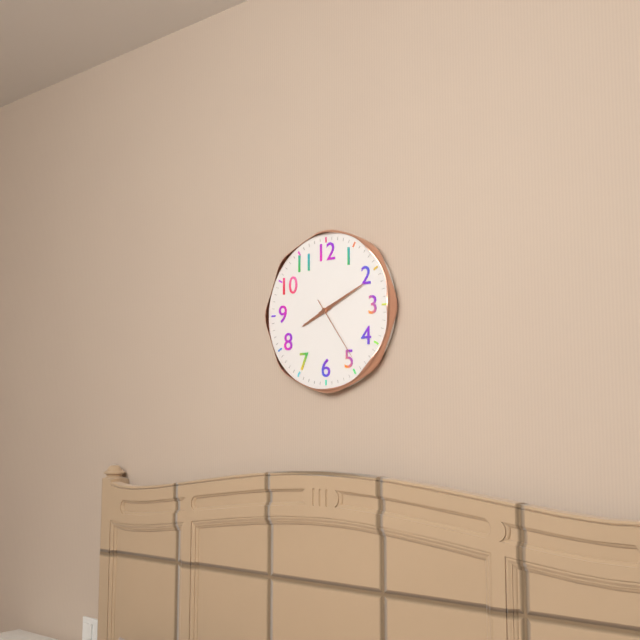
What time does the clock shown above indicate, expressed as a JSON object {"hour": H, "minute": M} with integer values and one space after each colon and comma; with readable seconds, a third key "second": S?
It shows {"hour": 8, "minute": 11, "second": 24}
